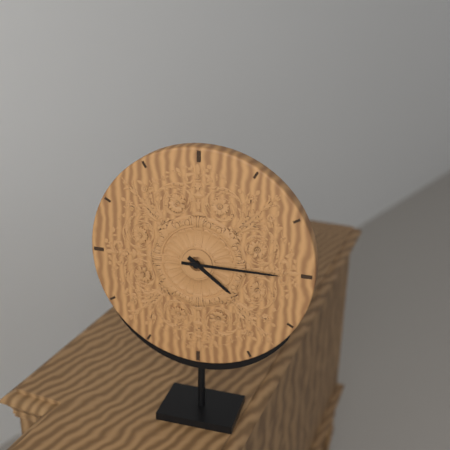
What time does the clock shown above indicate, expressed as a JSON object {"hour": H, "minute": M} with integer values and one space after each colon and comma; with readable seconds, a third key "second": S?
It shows {"hour": 4, "minute": 15}
